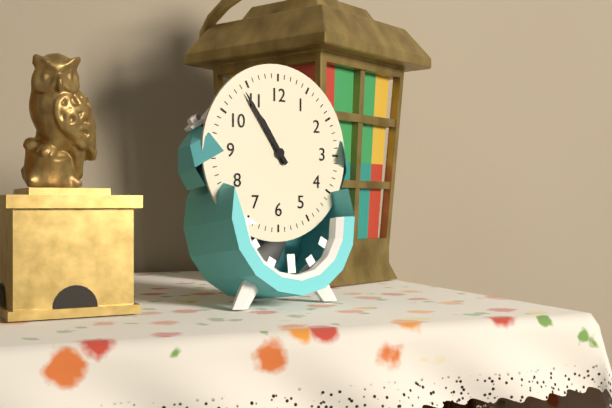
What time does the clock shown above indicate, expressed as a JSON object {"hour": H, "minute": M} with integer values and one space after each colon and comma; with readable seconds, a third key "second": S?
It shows {"hour": 10, "minute": 54}
